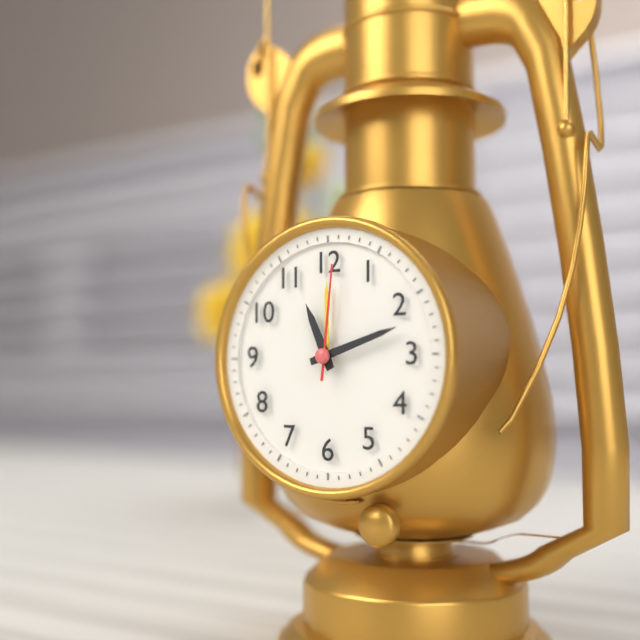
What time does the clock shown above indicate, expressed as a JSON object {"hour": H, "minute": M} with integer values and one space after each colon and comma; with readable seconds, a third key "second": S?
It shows {"hour": 11, "minute": 12, "second": 1}
